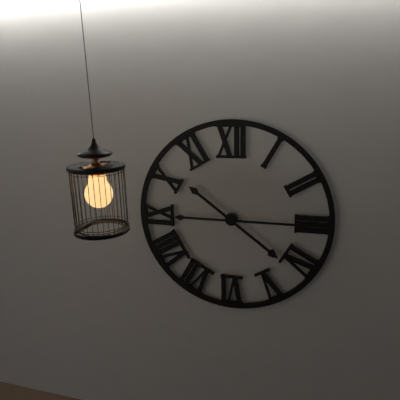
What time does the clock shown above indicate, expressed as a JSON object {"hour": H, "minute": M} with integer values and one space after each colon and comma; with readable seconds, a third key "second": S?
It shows {"hour": 4, "minute": 15}
